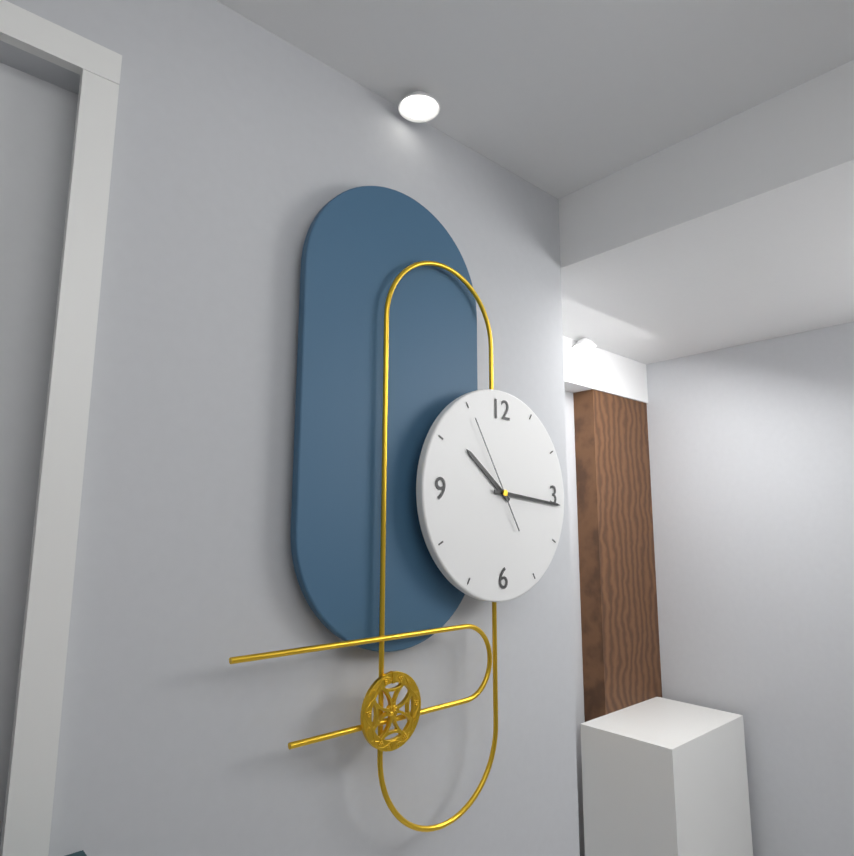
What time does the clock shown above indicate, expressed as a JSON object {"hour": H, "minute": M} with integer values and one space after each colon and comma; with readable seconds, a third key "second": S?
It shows {"hour": 10, "minute": 16, "second": 55}
